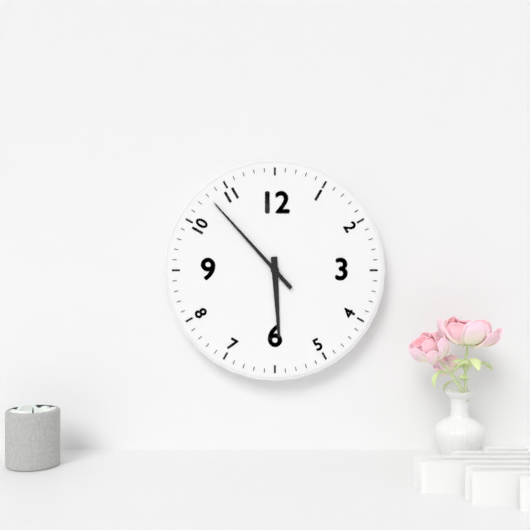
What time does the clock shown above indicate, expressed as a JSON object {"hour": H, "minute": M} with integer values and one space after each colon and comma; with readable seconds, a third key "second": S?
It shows {"hour": 5, "minute": 53}
